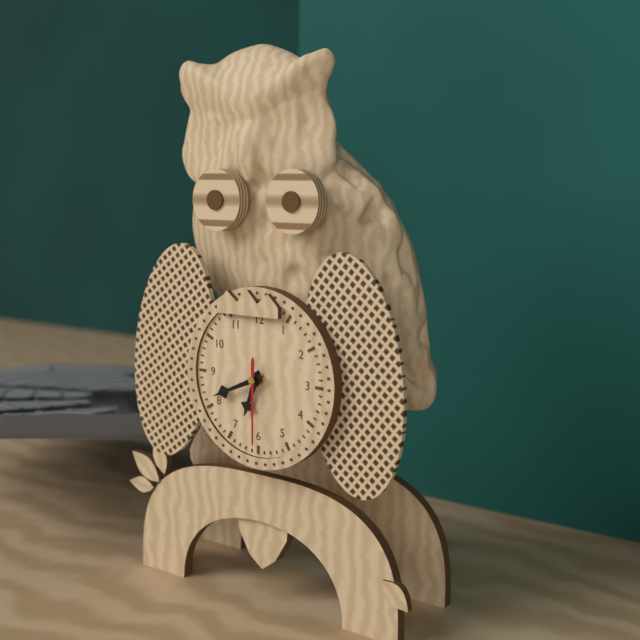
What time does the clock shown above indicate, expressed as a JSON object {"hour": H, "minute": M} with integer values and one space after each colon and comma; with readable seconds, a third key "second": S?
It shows {"hour": 6, "minute": 41, "second": 30}
